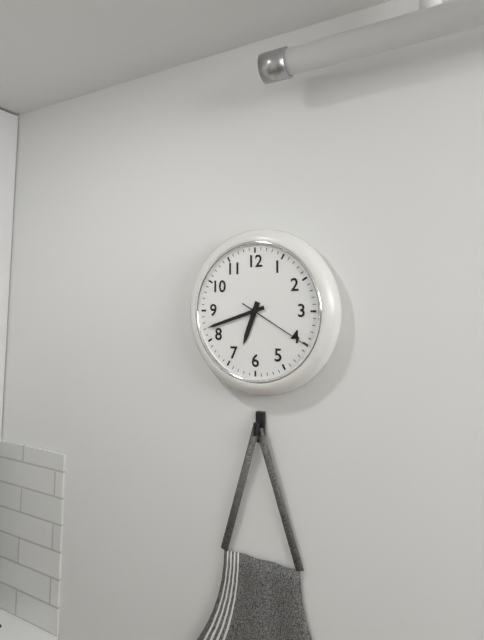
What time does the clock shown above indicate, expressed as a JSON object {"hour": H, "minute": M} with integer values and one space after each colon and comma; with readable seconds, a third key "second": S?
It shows {"hour": 6, "minute": 42, "second": 20}
